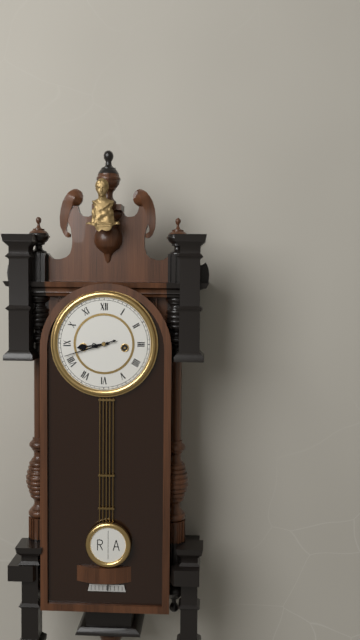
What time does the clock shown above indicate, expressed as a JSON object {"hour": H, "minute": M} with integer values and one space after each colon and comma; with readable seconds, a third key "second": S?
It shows {"hour": 8, "minute": 42}
